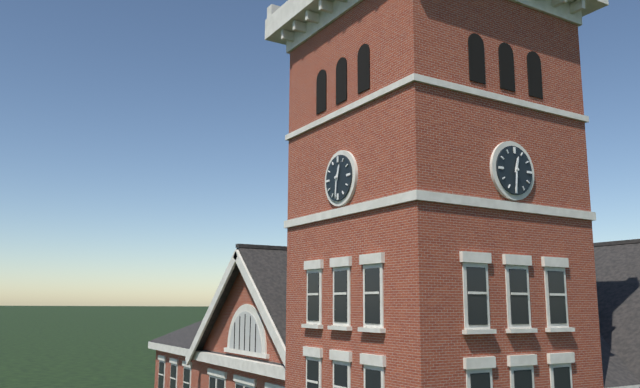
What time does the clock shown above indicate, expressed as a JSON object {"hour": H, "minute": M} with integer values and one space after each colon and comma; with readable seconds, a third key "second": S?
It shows {"hour": 12, "minute": 31}
